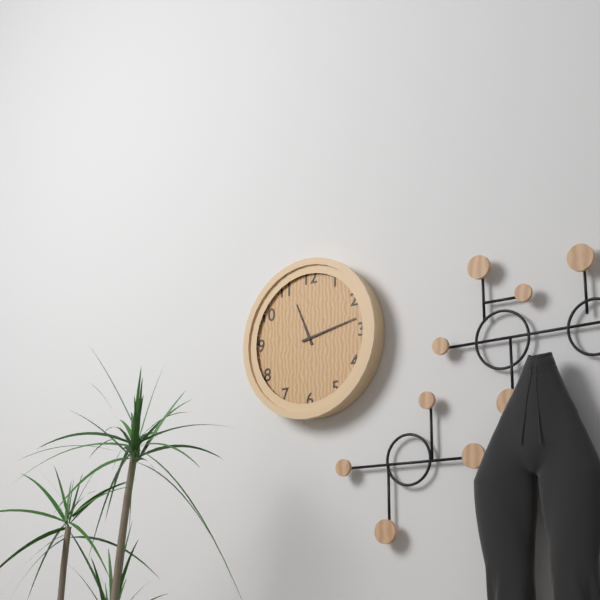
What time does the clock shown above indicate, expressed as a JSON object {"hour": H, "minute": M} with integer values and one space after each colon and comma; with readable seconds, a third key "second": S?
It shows {"hour": 11, "minute": 13}
